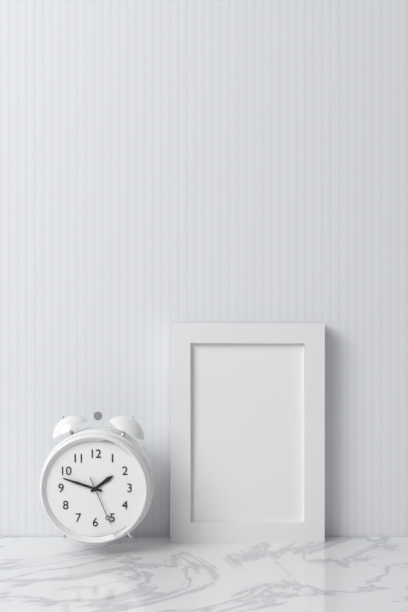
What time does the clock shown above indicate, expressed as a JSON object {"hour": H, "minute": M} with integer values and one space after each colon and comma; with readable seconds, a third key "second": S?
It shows {"hour": 1, "minute": 48}
